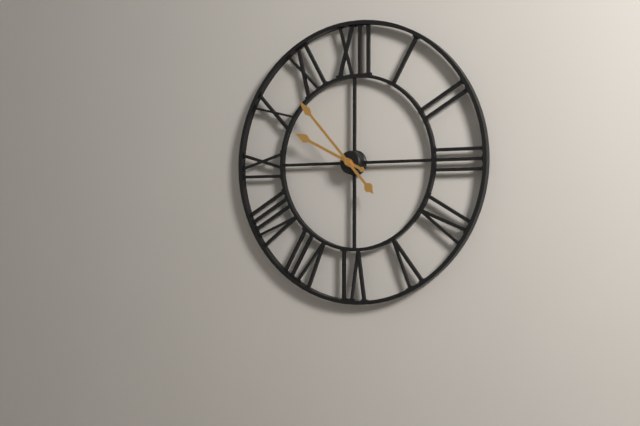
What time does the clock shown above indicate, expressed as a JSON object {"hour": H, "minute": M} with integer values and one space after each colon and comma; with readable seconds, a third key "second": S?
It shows {"hour": 9, "minute": 53}
